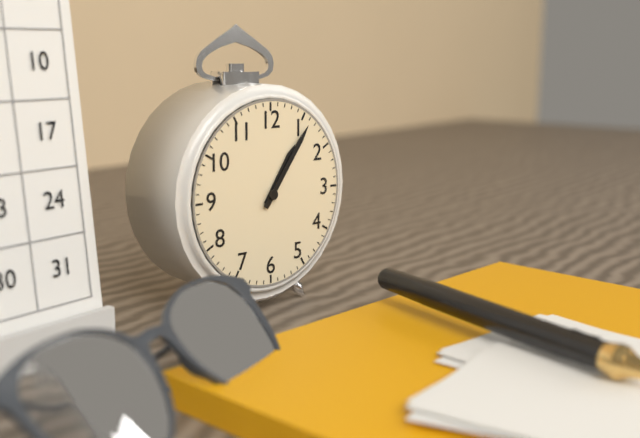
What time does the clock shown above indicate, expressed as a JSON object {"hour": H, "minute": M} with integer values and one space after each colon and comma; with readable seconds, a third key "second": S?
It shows {"hour": 1, "minute": 6}
